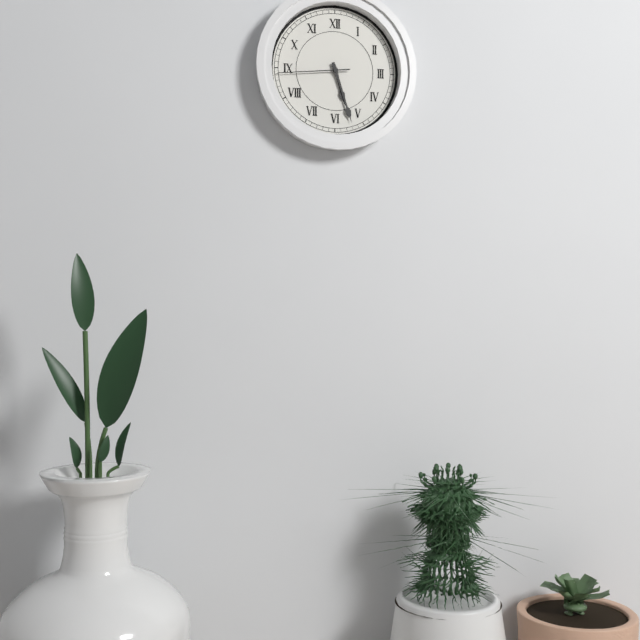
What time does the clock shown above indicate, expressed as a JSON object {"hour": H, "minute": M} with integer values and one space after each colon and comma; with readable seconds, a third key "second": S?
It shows {"hour": 5, "minute": 27, "second": 44}
